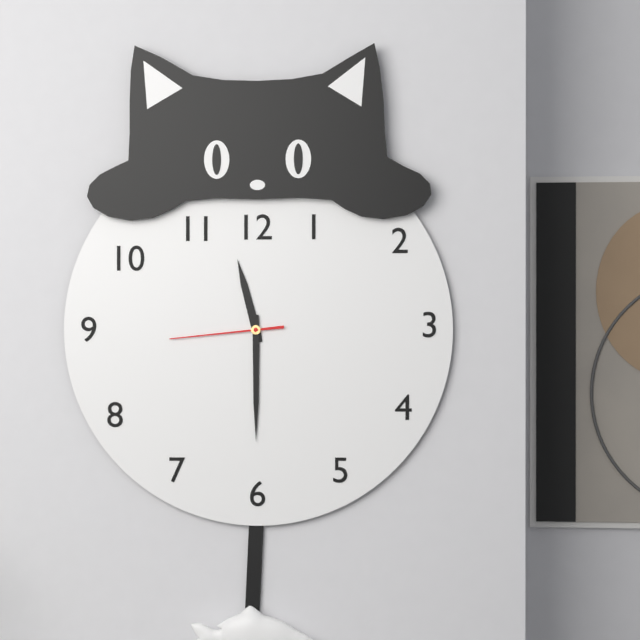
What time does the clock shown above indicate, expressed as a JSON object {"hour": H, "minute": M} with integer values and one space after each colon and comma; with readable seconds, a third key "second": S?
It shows {"hour": 11, "minute": 30, "second": 44}
